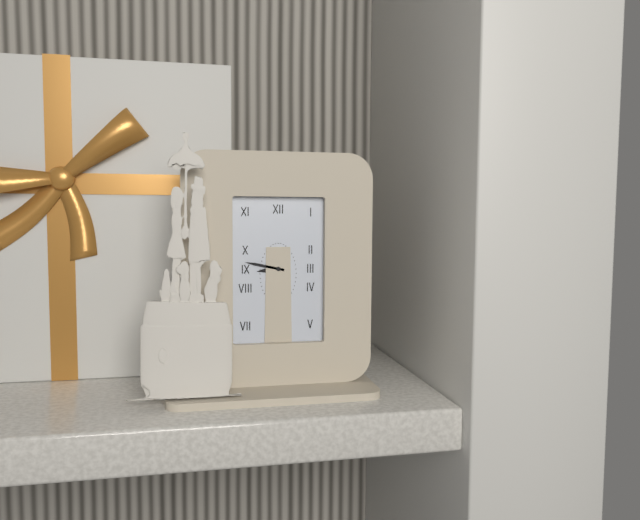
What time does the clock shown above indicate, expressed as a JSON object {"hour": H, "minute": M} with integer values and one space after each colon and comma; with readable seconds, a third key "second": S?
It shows {"hour": 8, "minute": 47}
